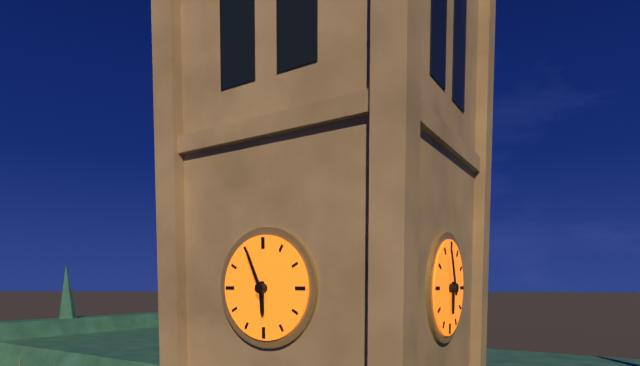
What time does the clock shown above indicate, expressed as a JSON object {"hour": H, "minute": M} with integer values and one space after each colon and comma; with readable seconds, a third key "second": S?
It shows {"hour": 5, "minute": 56}
